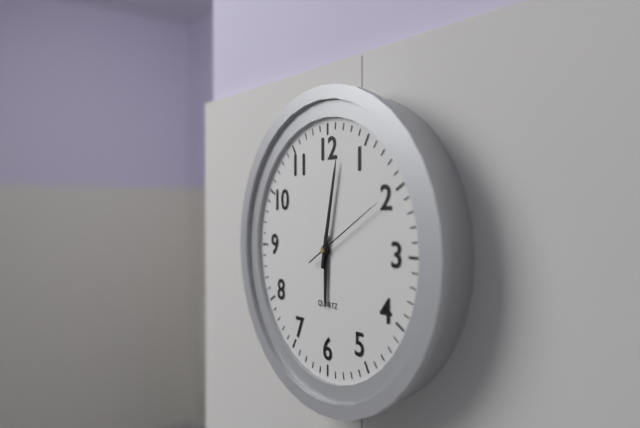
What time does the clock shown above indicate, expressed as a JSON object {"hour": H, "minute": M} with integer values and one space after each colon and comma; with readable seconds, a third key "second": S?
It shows {"hour": 6, "minute": 2, "second": 10}
